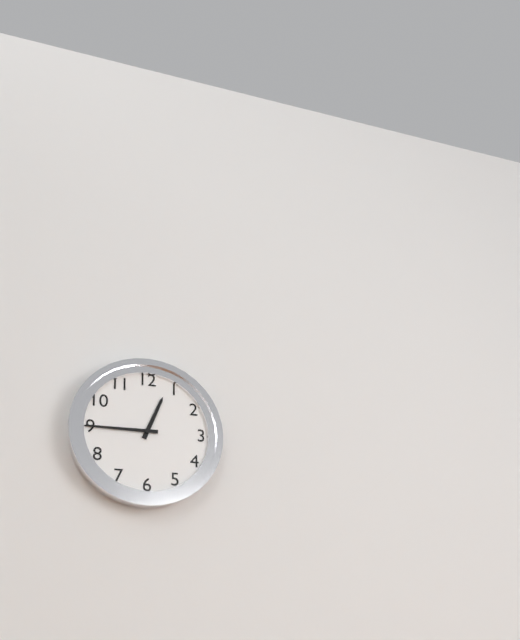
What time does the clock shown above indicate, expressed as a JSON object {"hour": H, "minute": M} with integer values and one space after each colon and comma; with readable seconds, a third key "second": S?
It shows {"hour": 12, "minute": 45}
